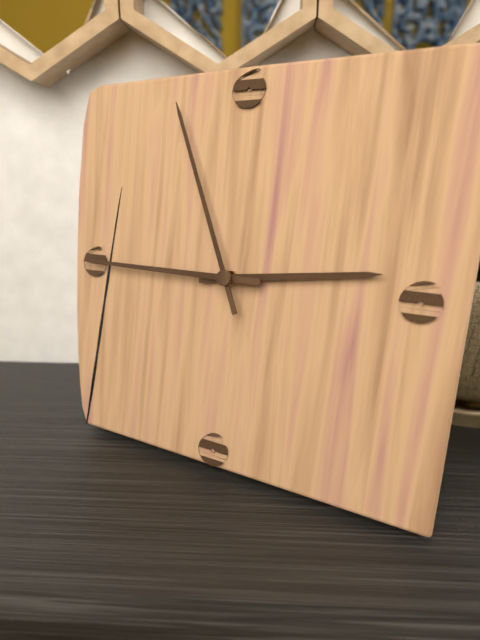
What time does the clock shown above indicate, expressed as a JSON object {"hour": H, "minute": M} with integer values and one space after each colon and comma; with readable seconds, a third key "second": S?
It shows {"hour": 2, "minute": 45, "second": 56}
